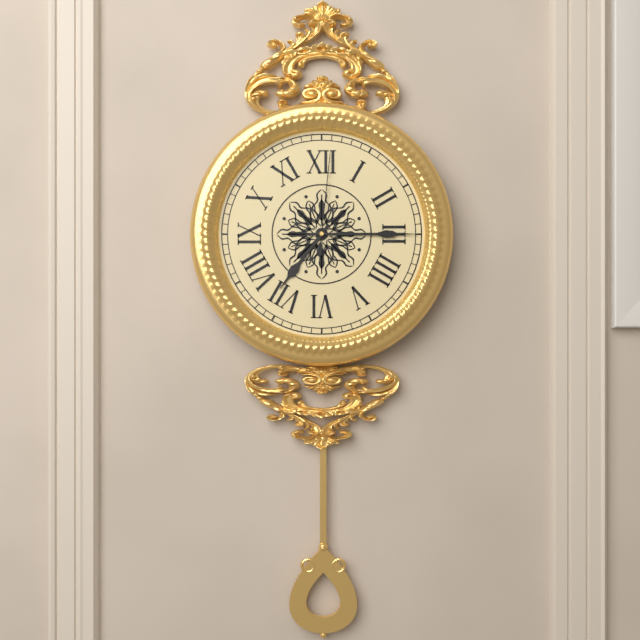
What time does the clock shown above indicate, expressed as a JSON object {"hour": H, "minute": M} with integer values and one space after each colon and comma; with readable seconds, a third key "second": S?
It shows {"hour": 7, "minute": 15, "second": 1}
